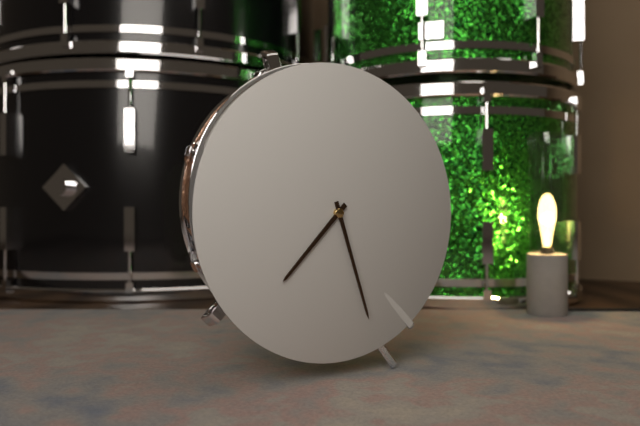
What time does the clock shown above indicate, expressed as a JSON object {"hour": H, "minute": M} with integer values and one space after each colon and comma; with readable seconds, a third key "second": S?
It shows {"hour": 7, "minute": 27}
